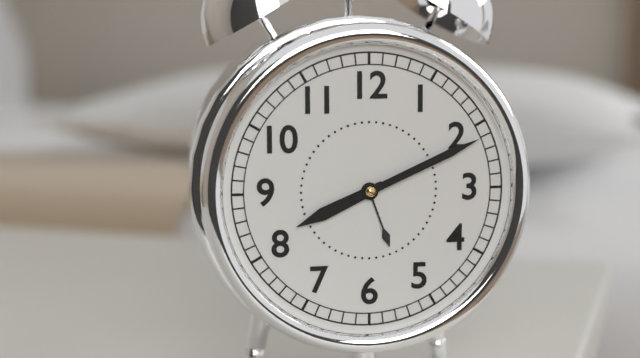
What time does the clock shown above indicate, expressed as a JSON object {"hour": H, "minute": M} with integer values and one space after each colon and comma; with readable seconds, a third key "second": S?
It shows {"hour": 8, "minute": 11}
